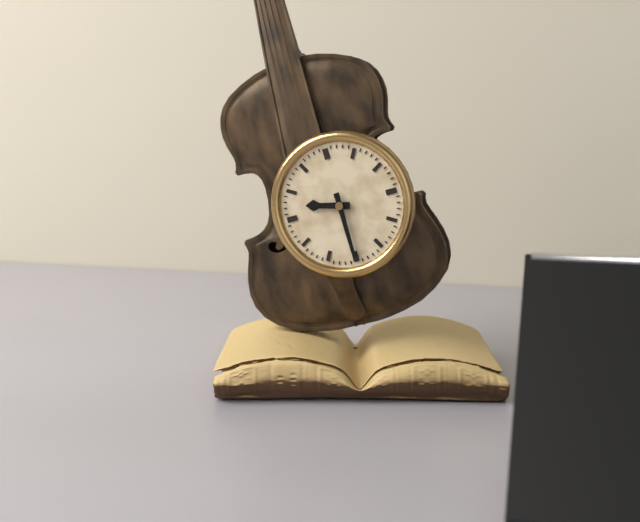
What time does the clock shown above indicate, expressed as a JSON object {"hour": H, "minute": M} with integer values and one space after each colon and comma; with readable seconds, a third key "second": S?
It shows {"hour": 9, "minute": 30}
